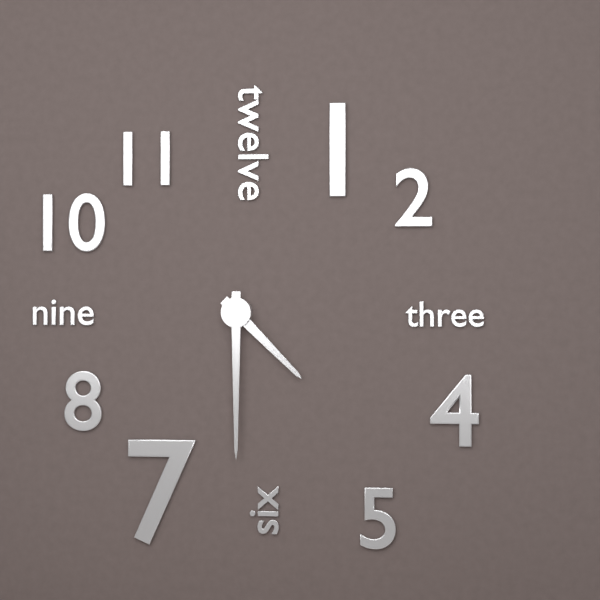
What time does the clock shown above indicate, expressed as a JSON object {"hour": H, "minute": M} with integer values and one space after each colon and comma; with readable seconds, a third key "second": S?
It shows {"hour": 4, "minute": 30}
